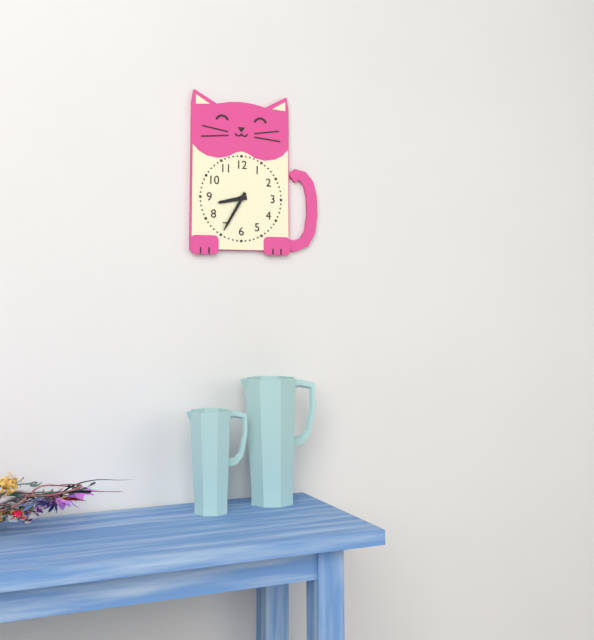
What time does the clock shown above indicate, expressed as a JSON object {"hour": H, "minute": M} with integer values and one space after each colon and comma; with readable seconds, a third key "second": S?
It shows {"hour": 8, "minute": 35}
